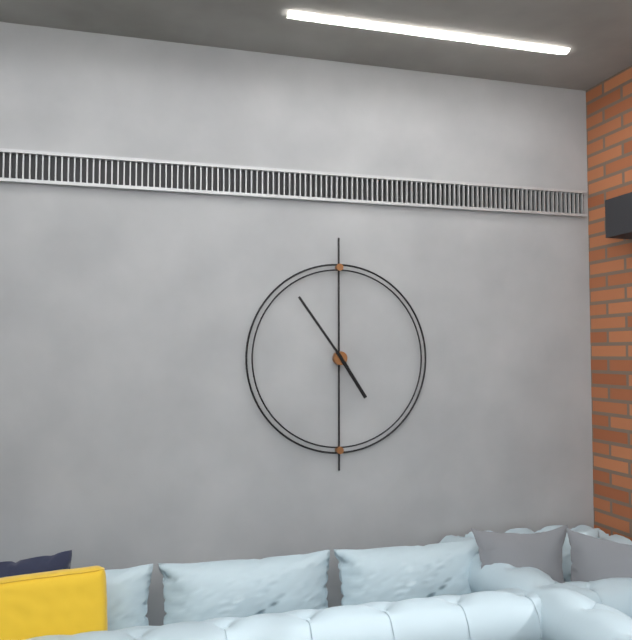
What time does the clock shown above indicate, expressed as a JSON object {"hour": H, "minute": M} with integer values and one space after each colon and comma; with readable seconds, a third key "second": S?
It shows {"hour": 4, "minute": 54}
